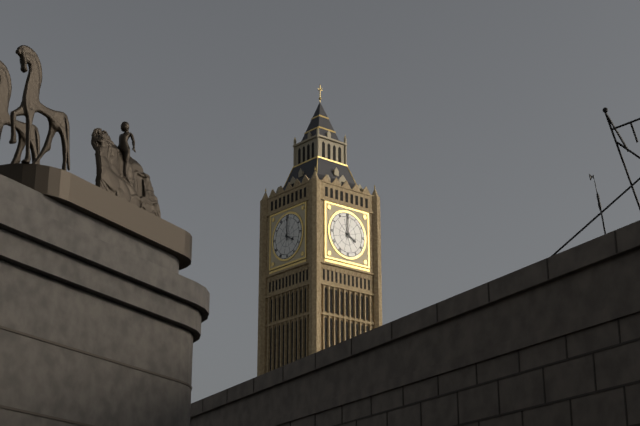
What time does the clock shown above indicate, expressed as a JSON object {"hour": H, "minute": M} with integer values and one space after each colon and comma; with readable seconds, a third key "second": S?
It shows {"hour": 4, "minute": 0}
